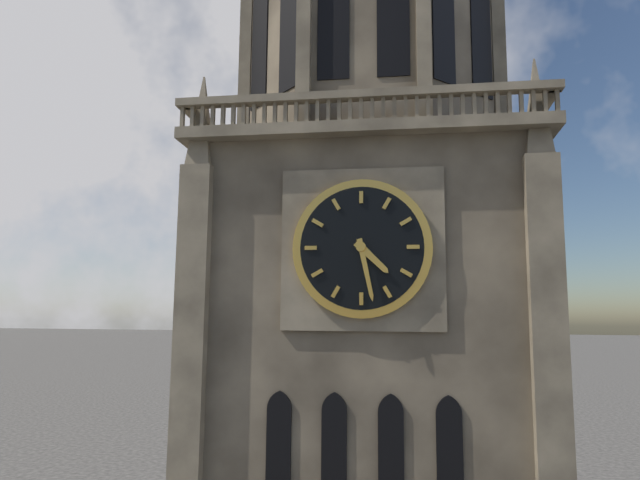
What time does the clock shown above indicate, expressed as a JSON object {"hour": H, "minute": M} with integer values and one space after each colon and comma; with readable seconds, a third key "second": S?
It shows {"hour": 4, "minute": 28}
